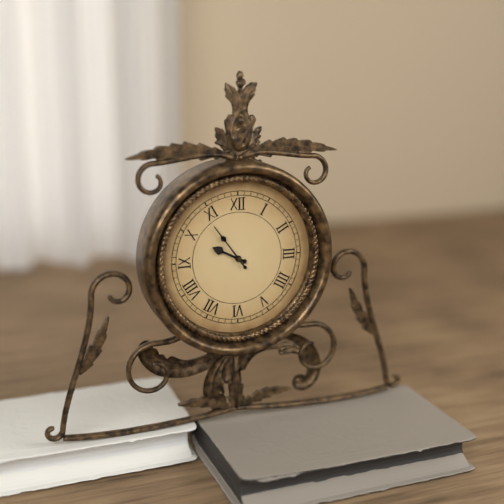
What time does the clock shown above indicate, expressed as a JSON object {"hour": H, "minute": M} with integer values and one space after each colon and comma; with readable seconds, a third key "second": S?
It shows {"hour": 9, "minute": 54}
